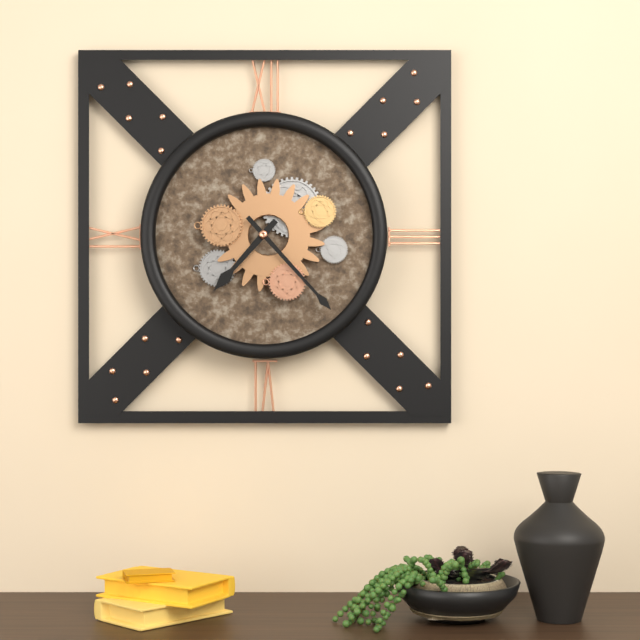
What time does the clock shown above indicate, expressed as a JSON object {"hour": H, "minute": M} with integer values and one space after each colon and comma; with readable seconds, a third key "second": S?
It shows {"hour": 7, "minute": 23}
